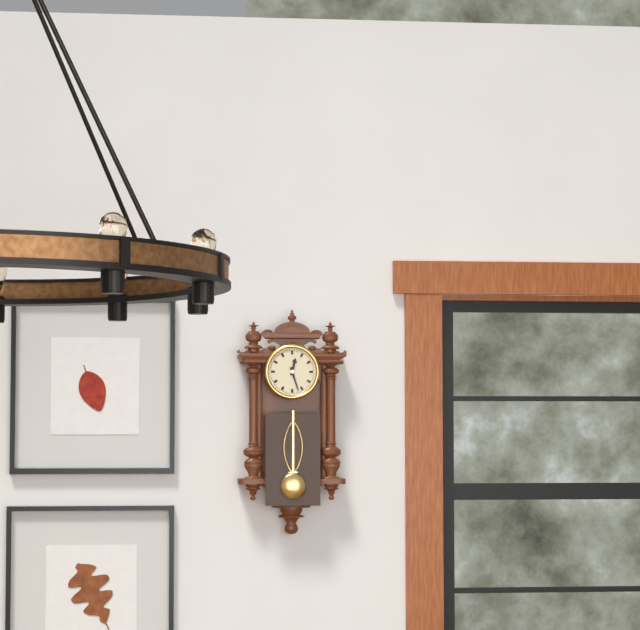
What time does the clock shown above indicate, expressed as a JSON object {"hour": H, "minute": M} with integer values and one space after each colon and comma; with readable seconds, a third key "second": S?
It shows {"hour": 12, "minute": 27}
